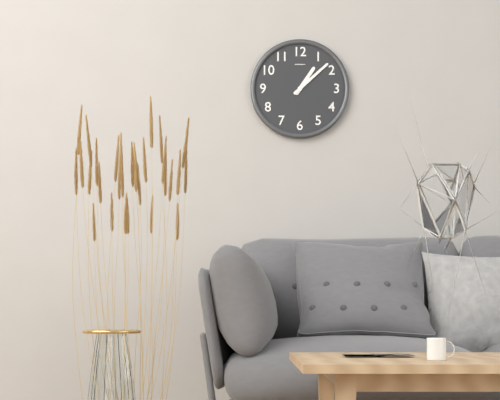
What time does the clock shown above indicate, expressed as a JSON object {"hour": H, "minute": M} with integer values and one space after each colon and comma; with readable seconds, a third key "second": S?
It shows {"hour": 1, "minute": 8}
